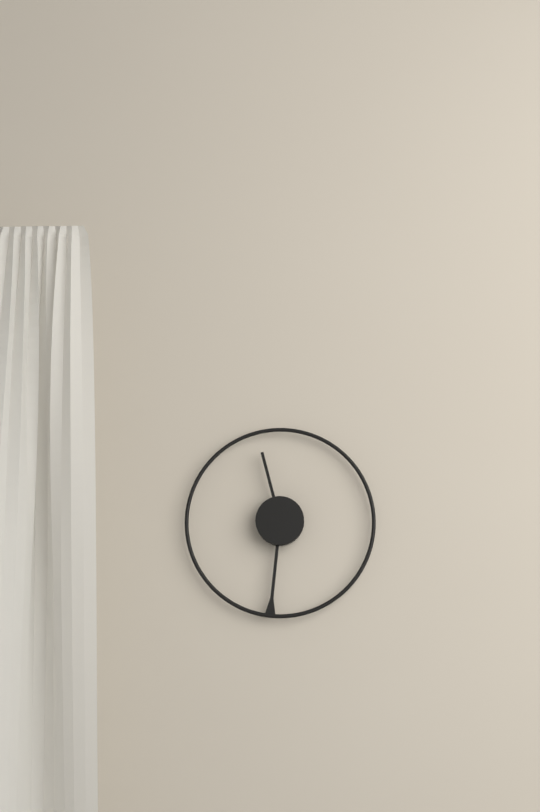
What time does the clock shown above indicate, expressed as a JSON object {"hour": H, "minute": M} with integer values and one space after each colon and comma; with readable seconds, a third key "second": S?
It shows {"hour": 11, "minute": 31}
